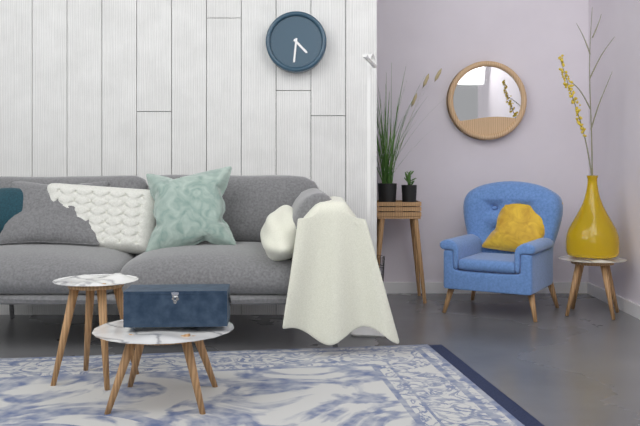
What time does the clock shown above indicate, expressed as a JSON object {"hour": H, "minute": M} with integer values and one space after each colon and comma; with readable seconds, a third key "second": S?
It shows {"hour": 4, "minute": 31}
